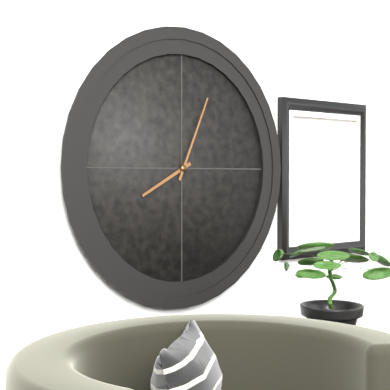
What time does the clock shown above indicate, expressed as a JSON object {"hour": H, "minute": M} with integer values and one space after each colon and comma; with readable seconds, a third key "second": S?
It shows {"hour": 8, "minute": 4}
